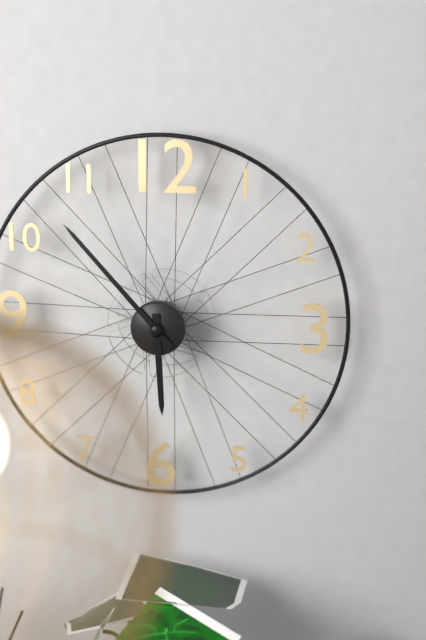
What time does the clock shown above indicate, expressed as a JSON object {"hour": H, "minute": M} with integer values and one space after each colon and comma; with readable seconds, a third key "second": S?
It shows {"hour": 5, "minute": 53}
